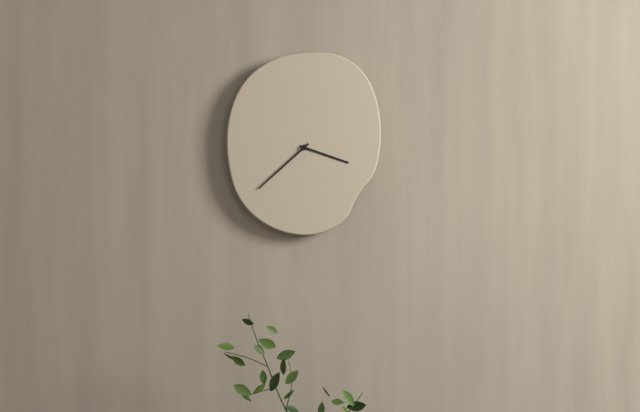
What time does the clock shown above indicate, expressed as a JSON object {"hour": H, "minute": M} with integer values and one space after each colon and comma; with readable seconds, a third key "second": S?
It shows {"hour": 3, "minute": 38}
